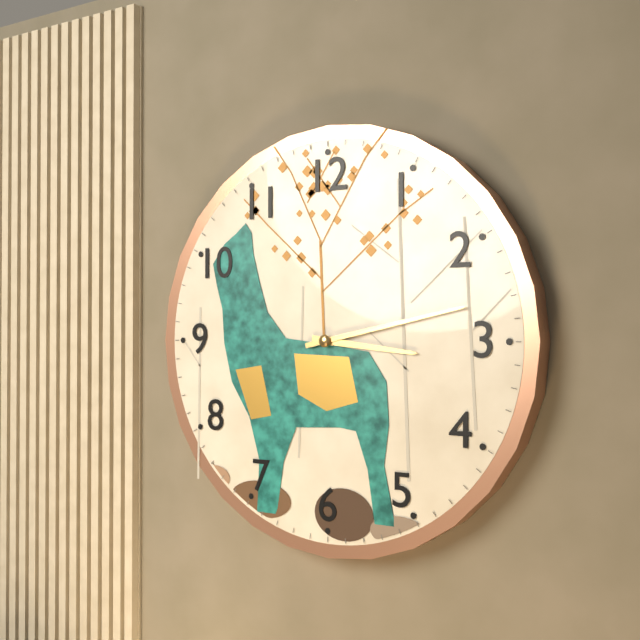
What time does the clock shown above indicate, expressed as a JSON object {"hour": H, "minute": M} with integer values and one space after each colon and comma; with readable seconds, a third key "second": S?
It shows {"hour": 3, "minute": 13}
